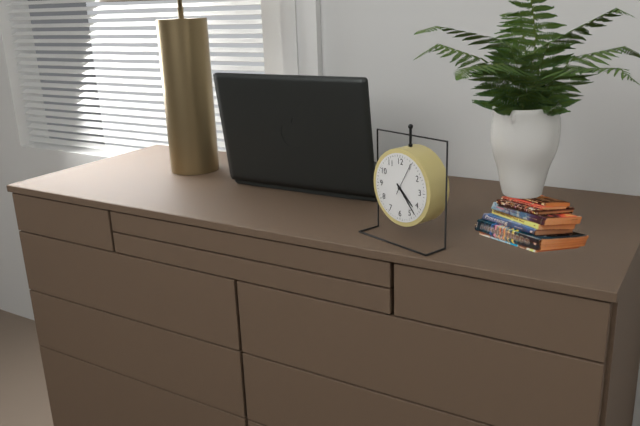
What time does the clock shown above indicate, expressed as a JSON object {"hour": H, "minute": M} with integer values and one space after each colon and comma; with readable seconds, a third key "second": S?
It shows {"hour": 4, "minute": 23}
